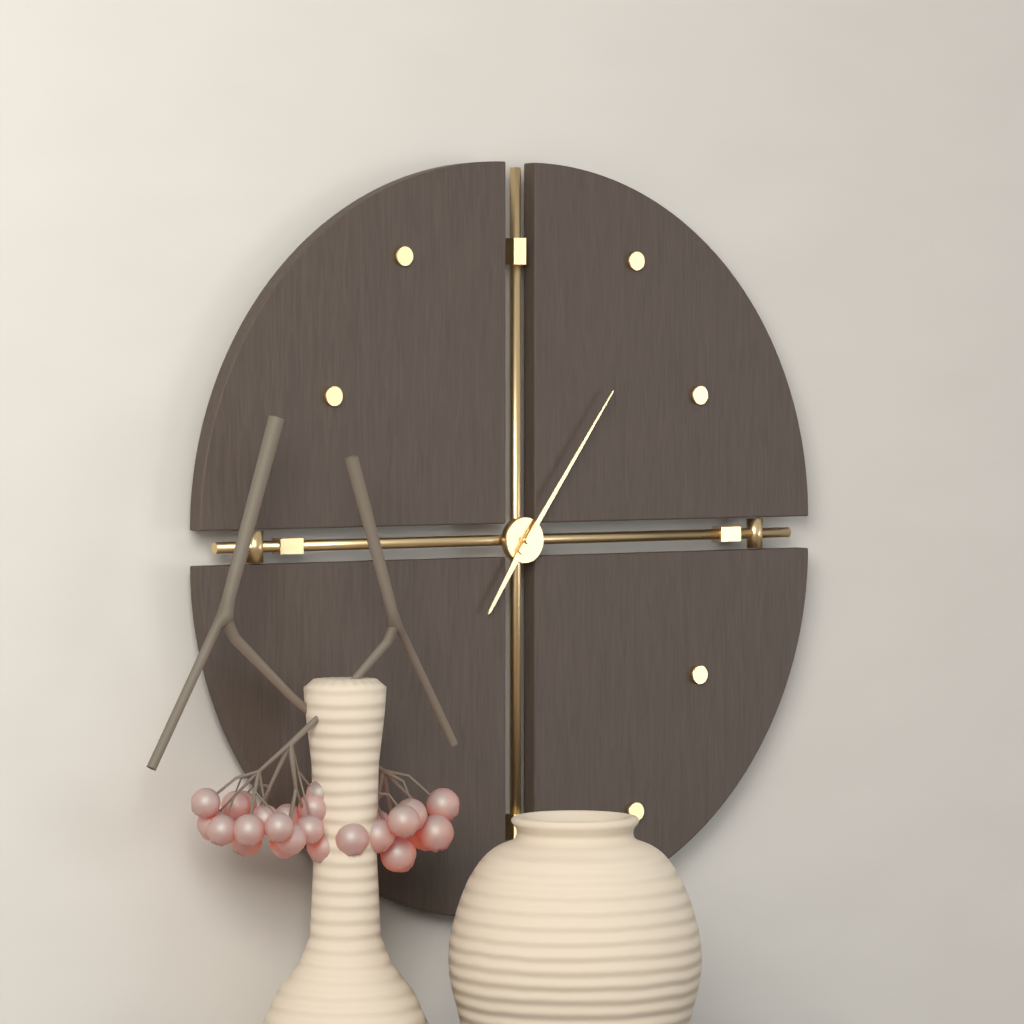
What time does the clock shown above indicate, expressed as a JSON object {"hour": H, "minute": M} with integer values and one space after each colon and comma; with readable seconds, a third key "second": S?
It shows {"hour": 7, "minute": 6}
